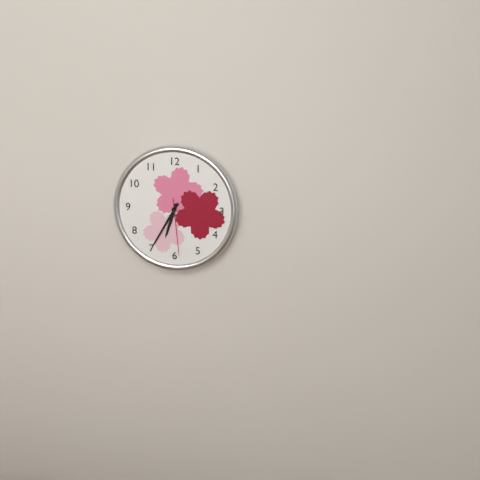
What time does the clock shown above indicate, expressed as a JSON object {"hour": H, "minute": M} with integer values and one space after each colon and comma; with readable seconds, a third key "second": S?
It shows {"hour": 6, "minute": 35, "second": 29}
